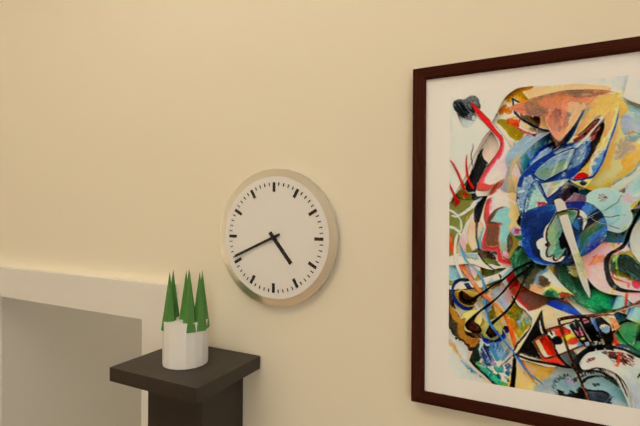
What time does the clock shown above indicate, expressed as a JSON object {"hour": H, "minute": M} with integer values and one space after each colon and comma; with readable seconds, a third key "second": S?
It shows {"hour": 4, "minute": 41}
